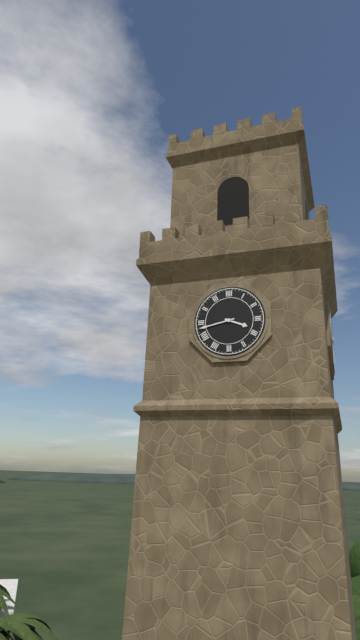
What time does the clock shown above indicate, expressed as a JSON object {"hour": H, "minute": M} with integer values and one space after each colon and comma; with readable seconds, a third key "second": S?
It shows {"hour": 3, "minute": 43}
